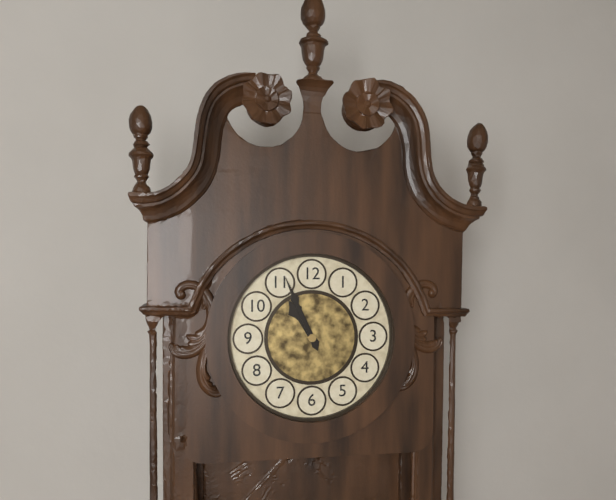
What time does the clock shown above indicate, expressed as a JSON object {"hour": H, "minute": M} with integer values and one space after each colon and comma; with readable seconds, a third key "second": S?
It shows {"hour": 10, "minute": 56}
